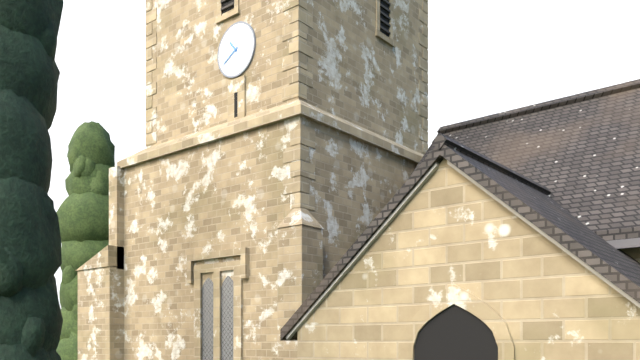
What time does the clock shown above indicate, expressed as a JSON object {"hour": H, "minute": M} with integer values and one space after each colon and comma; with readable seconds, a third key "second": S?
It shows {"hour": 10, "minute": 40}
